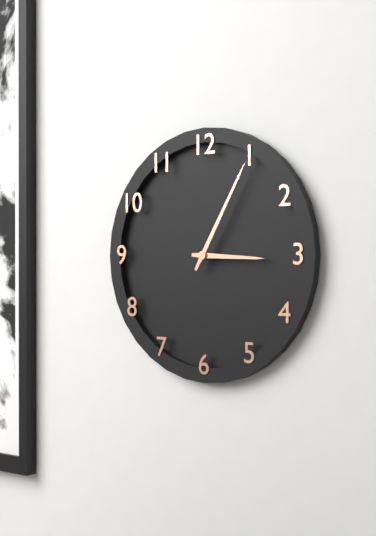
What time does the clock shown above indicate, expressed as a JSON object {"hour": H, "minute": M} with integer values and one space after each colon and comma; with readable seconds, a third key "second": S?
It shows {"hour": 3, "minute": 5}
